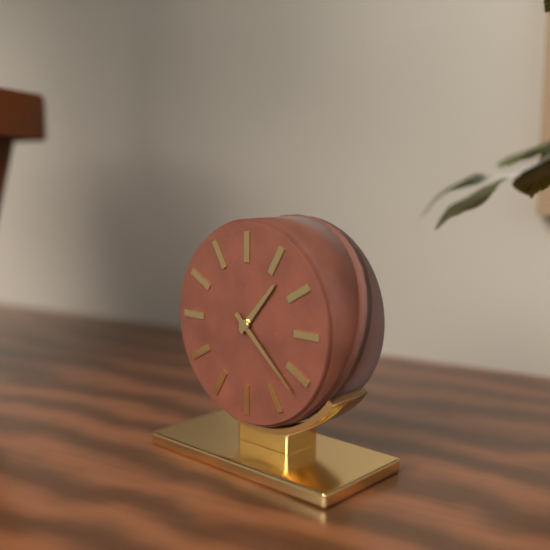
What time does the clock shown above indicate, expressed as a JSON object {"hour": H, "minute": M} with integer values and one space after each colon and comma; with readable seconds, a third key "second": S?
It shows {"hour": 1, "minute": 22}
